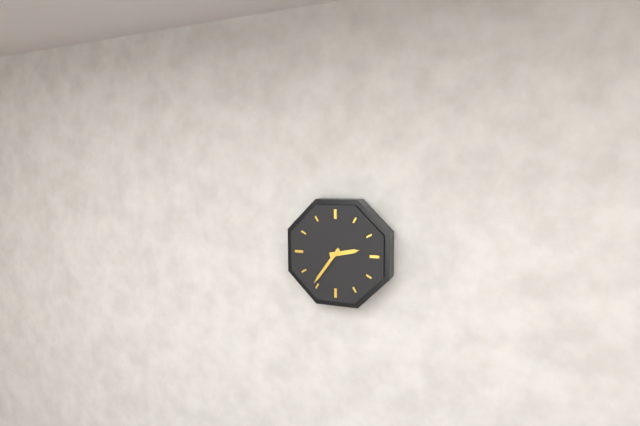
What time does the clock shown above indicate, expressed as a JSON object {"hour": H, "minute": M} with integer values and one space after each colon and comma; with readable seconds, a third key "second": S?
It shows {"hour": 2, "minute": 36}
